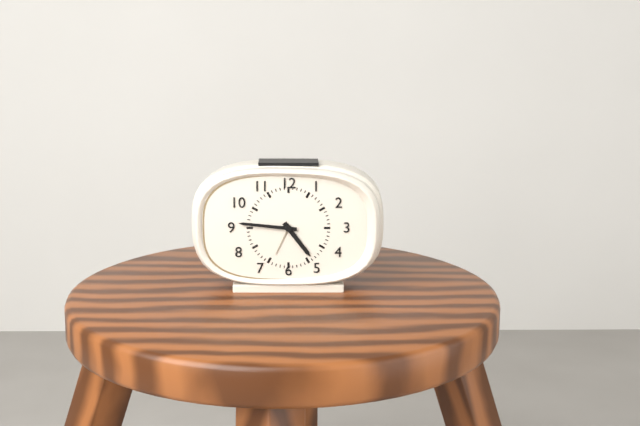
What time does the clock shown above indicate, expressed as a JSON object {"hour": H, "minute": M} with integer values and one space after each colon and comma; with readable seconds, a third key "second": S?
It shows {"hour": 4, "minute": 46}
